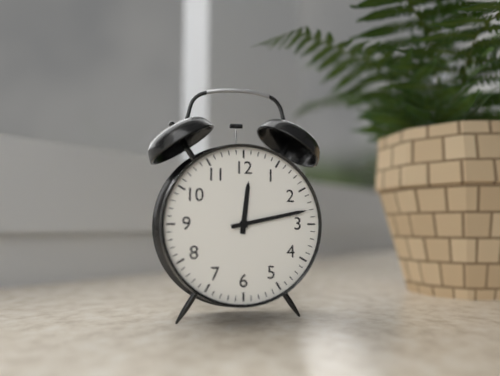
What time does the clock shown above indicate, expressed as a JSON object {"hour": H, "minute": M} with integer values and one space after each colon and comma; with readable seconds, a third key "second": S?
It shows {"hour": 12, "minute": 13}
